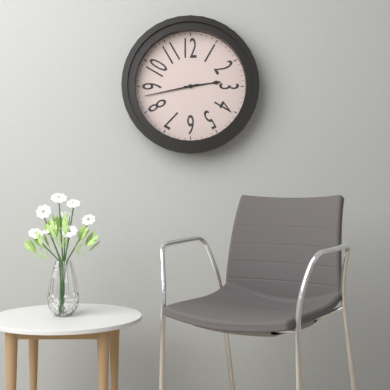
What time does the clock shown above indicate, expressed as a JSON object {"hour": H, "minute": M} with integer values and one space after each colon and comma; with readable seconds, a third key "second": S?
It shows {"hour": 2, "minute": 43}
